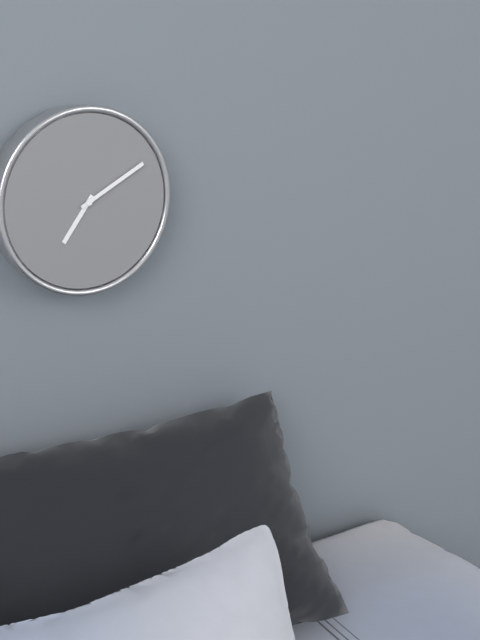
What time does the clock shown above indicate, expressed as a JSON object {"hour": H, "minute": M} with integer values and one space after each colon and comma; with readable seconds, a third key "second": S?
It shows {"hour": 7, "minute": 10}
